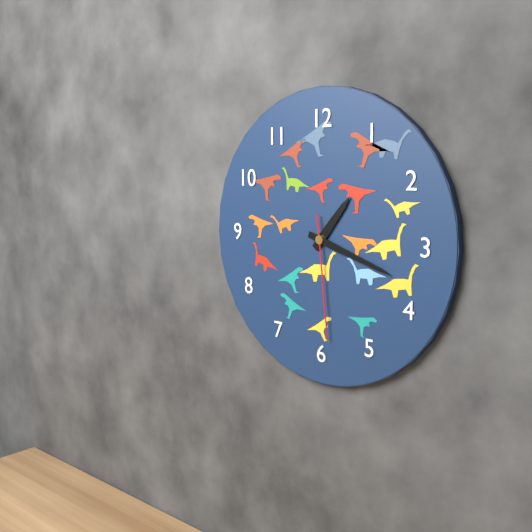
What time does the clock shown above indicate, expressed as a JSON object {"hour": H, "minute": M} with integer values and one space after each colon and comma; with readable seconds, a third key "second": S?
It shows {"hour": 1, "minute": 18, "second": 29}
